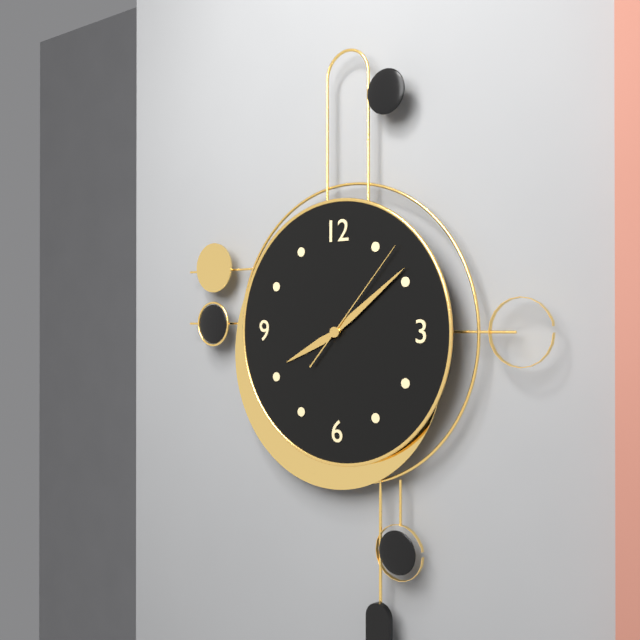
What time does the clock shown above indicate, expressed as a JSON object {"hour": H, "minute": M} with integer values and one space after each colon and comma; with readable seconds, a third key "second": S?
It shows {"hour": 8, "minute": 9, "second": 7}
